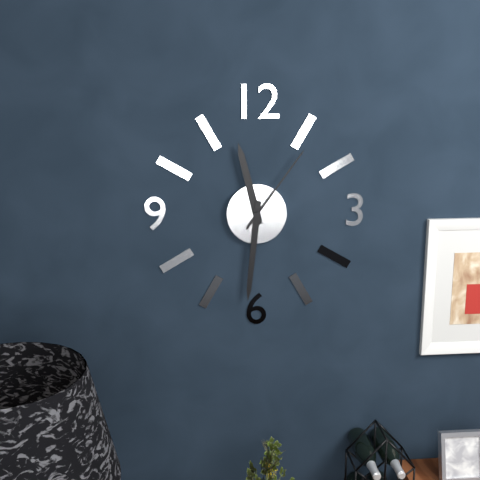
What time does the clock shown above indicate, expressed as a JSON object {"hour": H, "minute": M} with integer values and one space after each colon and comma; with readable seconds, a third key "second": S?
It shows {"hour": 11, "minute": 31, "second": 6}
